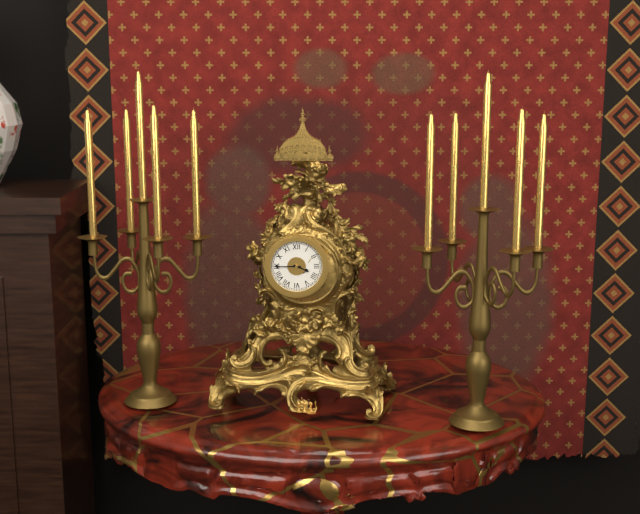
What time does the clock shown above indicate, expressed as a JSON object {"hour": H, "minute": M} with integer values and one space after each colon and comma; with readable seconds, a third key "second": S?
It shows {"hour": 3, "minute": 45}
